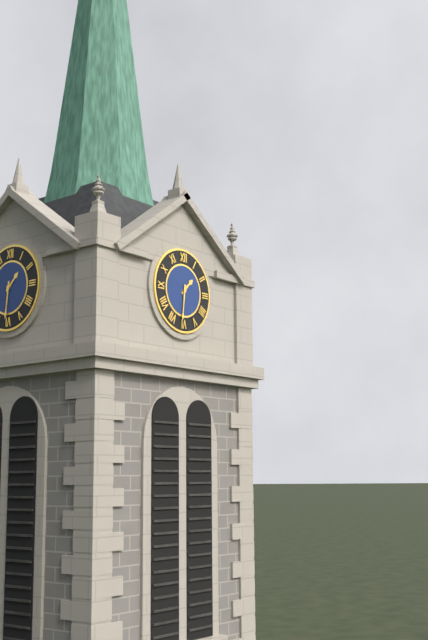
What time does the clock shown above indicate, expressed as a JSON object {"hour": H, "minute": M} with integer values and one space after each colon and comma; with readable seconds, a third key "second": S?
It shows {"hour": 1, "minute": 31}
